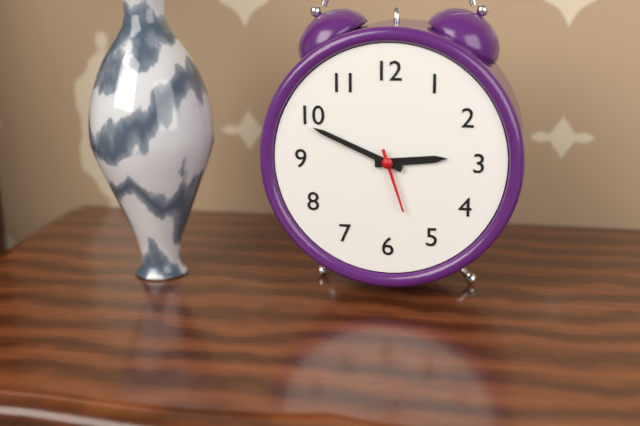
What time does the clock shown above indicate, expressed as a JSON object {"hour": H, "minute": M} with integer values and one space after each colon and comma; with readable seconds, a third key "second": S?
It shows {"hour": 2, "minute": 49, "second": 27}
